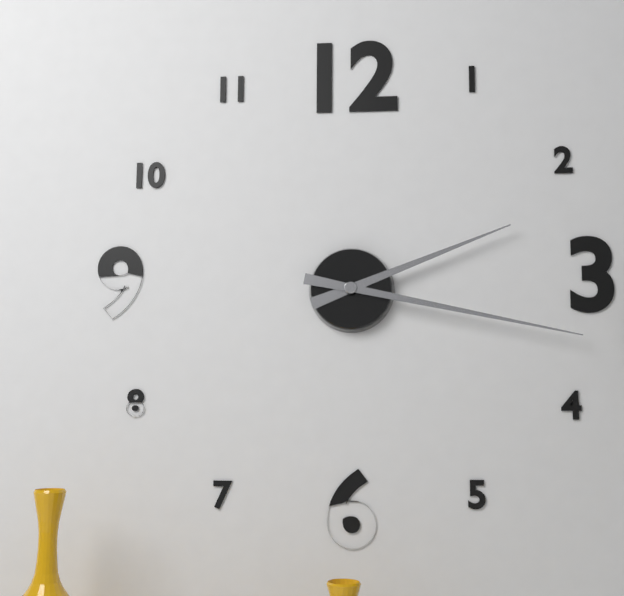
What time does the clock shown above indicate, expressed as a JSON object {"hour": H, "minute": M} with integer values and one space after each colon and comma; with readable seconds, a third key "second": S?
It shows {"hour": 2, "minute": 17}
